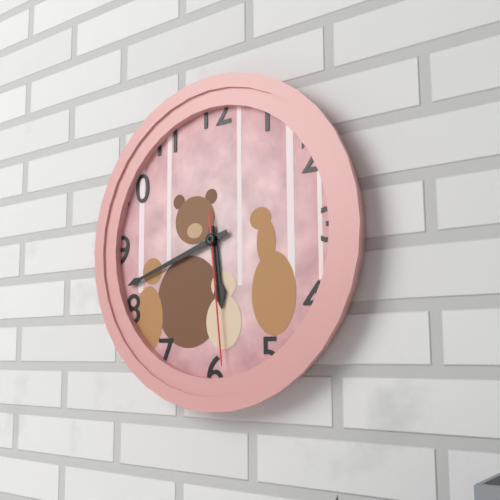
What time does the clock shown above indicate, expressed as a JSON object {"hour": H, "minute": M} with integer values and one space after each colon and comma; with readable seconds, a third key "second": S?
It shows {"hour": 5, "minute": 42, "second": 29}
